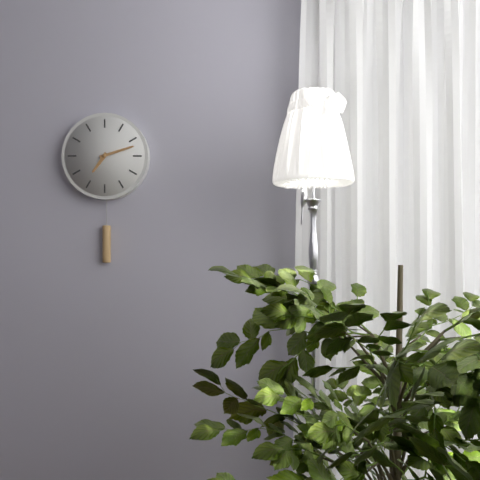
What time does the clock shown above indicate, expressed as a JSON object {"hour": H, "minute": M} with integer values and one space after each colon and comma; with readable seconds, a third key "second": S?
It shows {"hour": 7, "minute": 12}
